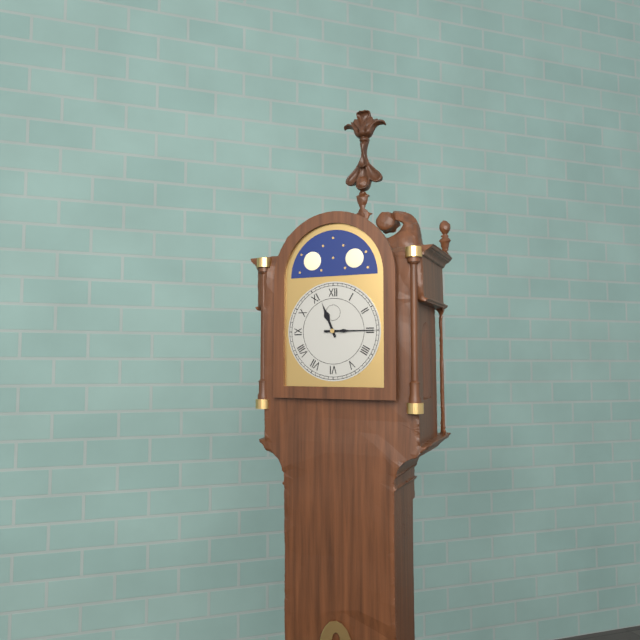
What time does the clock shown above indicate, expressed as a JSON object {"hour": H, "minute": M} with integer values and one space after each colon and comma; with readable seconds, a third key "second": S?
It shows {"hour": 11, "minute": 15}
